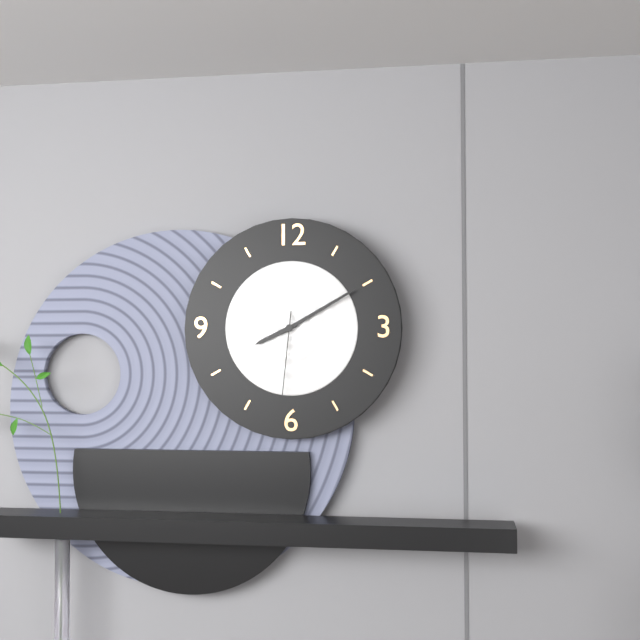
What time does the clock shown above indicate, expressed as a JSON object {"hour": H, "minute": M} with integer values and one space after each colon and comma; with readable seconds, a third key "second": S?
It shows {"hour": 8, "minute": 10, "second": 31}
